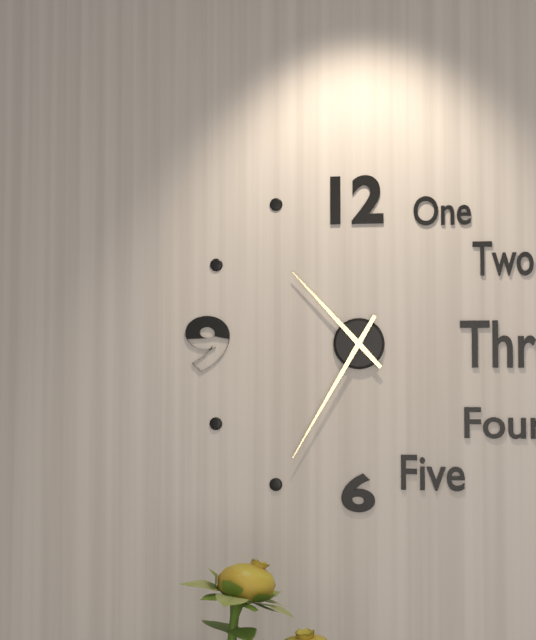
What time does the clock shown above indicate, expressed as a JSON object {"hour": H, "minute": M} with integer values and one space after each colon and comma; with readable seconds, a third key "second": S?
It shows {"hour": 10, "minute": 35}
